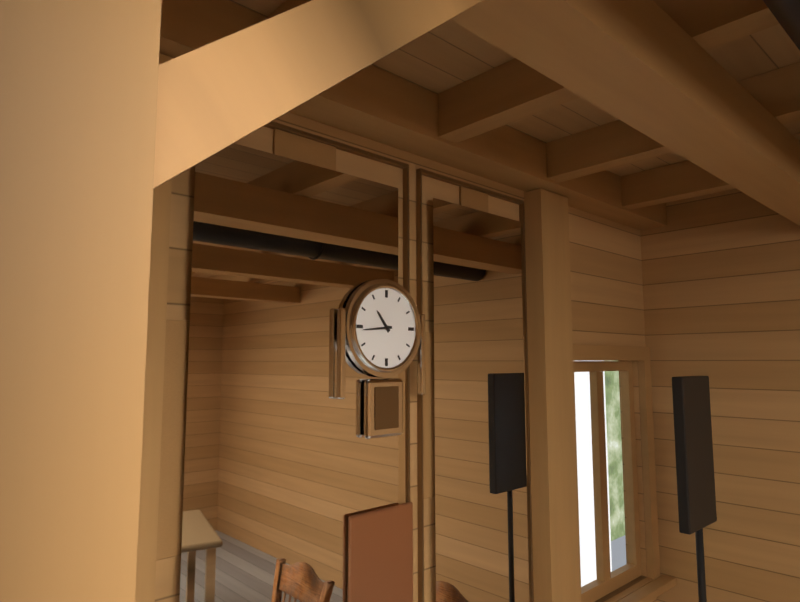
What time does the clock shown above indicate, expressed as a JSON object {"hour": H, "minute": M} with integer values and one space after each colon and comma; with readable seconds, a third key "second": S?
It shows {"hour": 10, "minute": 44}
